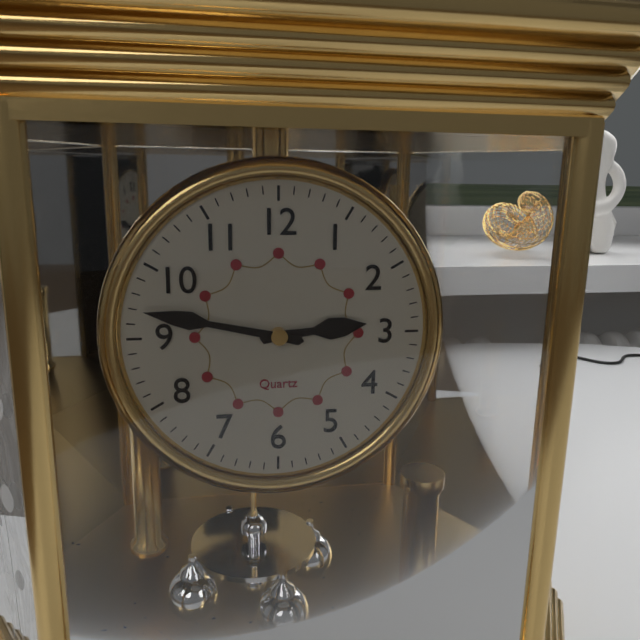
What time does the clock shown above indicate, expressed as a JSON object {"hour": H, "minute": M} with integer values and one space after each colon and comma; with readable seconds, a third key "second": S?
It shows {"hour": 2, "minute": 47}
